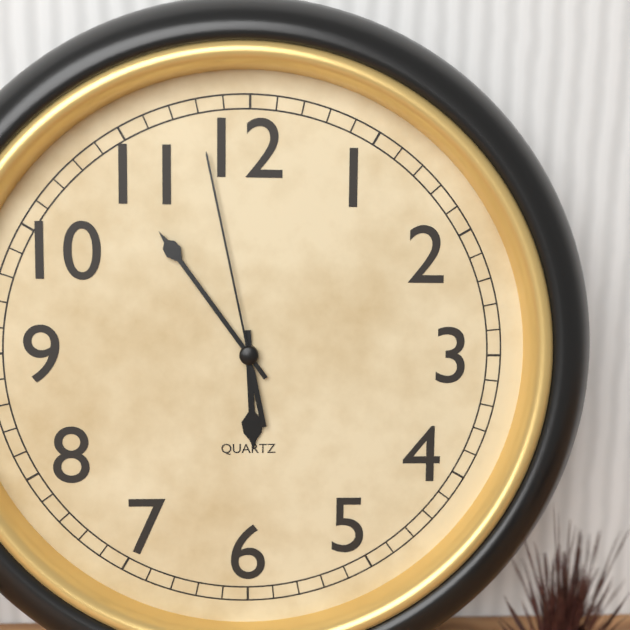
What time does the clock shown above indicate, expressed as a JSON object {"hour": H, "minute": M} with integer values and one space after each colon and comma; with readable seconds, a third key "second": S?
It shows {"hour": 5, "minute": 54, "second": 58}
